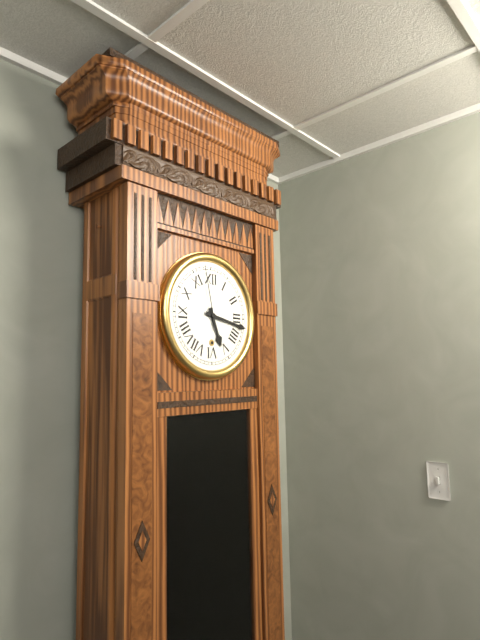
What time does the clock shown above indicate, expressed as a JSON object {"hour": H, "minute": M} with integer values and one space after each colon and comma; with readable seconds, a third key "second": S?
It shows {"hour": 5, "minute": 17, "second": 58}
